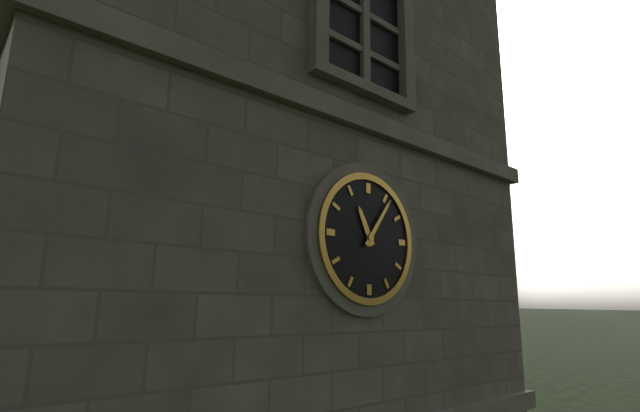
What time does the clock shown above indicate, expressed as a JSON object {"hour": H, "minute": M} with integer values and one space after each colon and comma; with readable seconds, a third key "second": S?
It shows {"hour": 11, "minute": 6}
